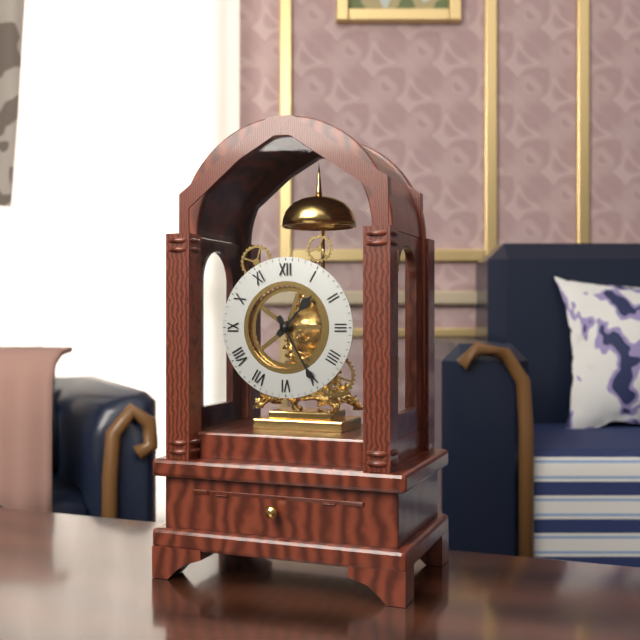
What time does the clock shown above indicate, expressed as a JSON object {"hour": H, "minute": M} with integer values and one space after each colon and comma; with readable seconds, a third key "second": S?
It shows {"hour": 1, "minute": 25}
